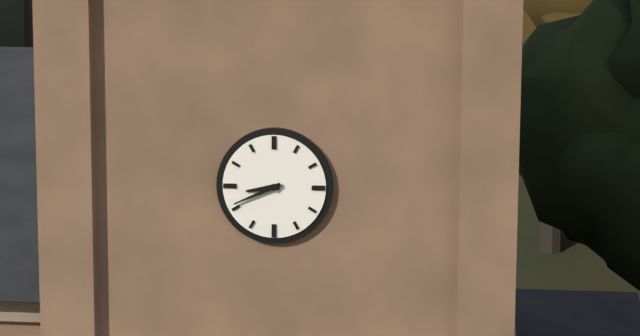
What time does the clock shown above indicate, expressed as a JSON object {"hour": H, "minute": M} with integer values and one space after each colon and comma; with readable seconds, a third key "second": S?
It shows {"hour": 8, "minute": 41}
